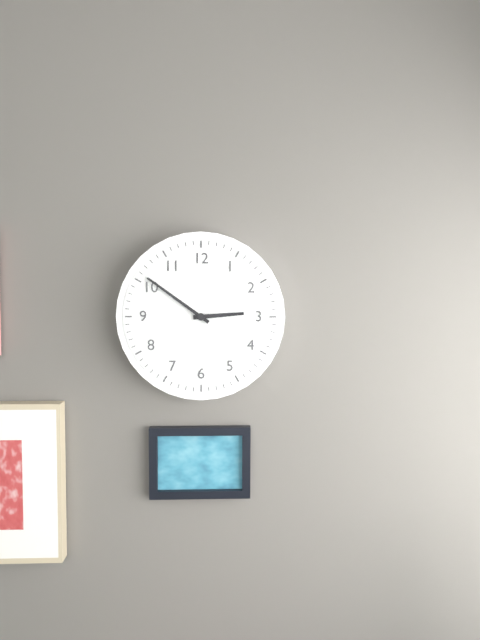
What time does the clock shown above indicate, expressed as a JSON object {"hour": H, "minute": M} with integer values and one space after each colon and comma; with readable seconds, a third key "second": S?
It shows {"hour": 2, "minute": 51}
